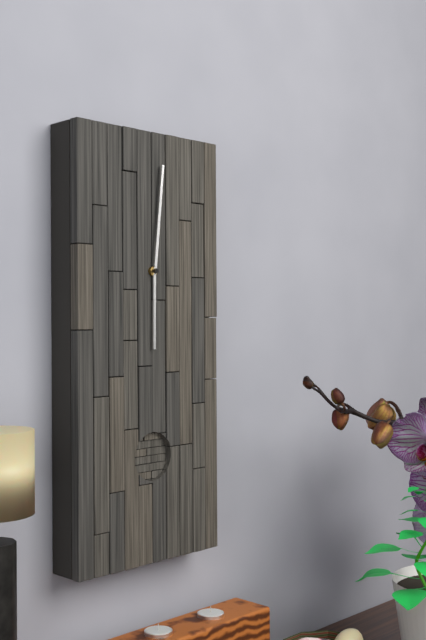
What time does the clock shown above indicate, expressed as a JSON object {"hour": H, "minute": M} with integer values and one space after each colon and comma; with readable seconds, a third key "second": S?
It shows {"hour": 6, "minute": 1}
